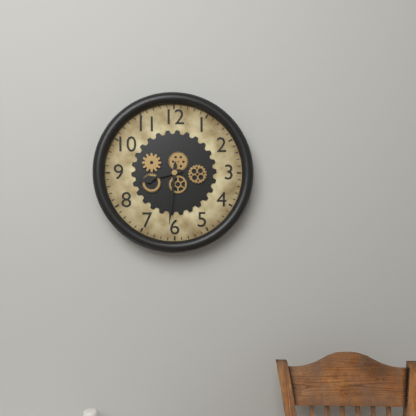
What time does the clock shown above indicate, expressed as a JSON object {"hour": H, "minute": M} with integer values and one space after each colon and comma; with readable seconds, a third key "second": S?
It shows {"hour": 8, "minute": 31}
